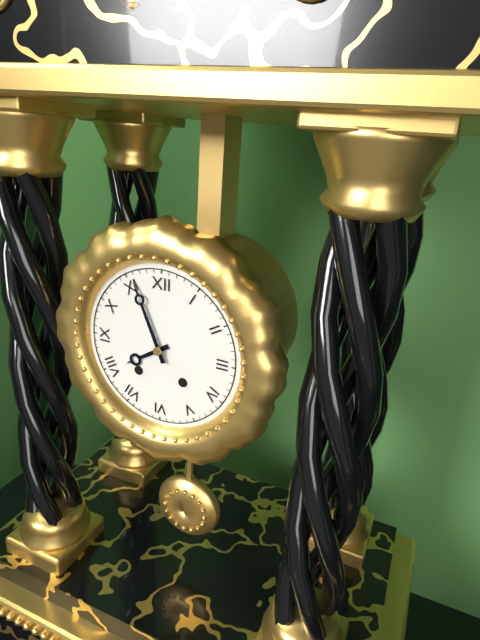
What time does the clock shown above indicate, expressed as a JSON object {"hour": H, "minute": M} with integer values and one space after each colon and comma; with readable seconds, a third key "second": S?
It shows {"hour": 7, "minute": 56}
